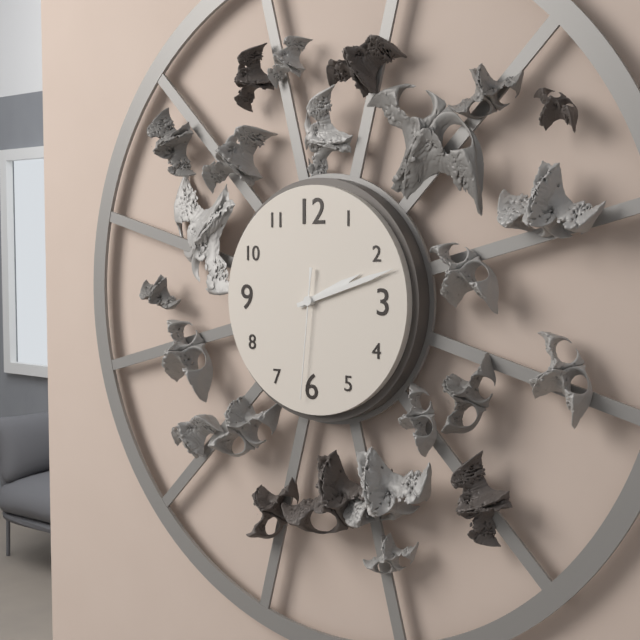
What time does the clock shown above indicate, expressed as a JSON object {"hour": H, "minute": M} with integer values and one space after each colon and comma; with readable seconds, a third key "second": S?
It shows {"hour": 2, "minute": 12, "second": 31}
